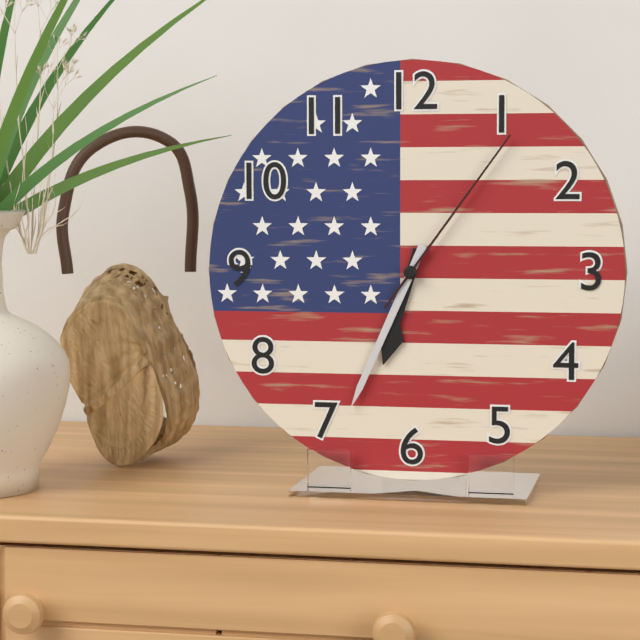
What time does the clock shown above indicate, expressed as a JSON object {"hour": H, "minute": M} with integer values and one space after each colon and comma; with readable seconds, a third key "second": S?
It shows {"hour": 6, "minute": 34, "second": 6}
